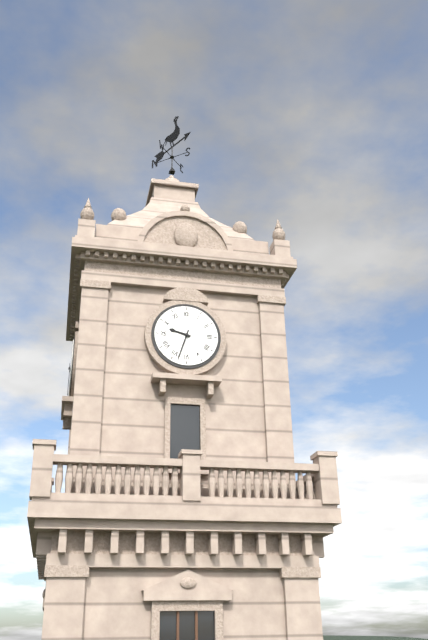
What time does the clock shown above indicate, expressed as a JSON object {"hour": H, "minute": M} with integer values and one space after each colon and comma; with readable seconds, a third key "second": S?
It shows {"hour": 9, "minute": 33}
